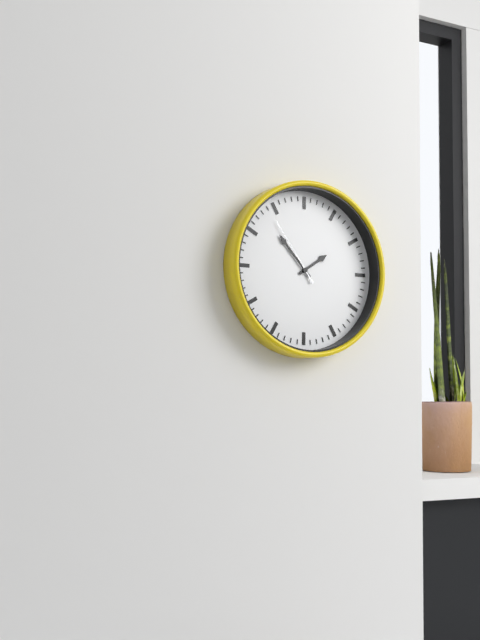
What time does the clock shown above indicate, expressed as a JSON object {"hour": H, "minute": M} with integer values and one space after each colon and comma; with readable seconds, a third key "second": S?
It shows {"hour": 1, "minute": 53, "second": 54}
